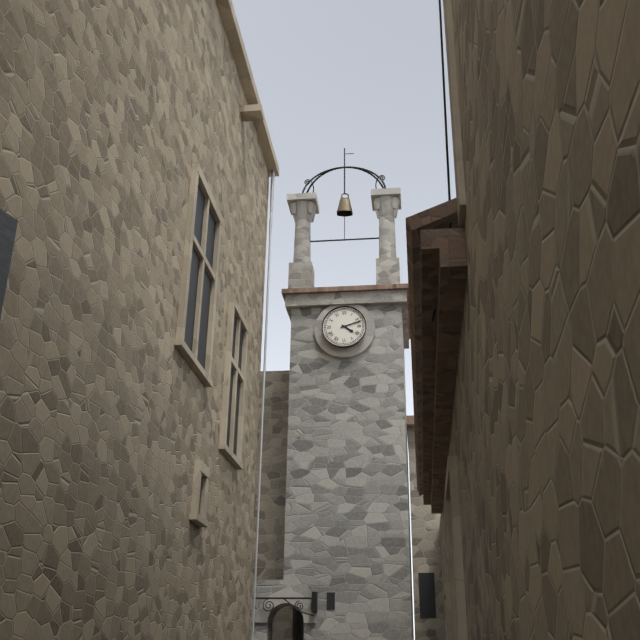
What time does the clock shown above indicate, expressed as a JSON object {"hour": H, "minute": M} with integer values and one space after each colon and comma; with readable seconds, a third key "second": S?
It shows {"hour": 4, "minute": 12}
